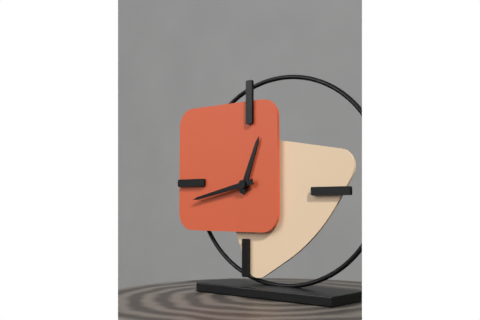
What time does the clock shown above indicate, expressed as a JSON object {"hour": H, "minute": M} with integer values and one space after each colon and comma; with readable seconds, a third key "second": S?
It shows {"hour": 12, "minute": 43}
